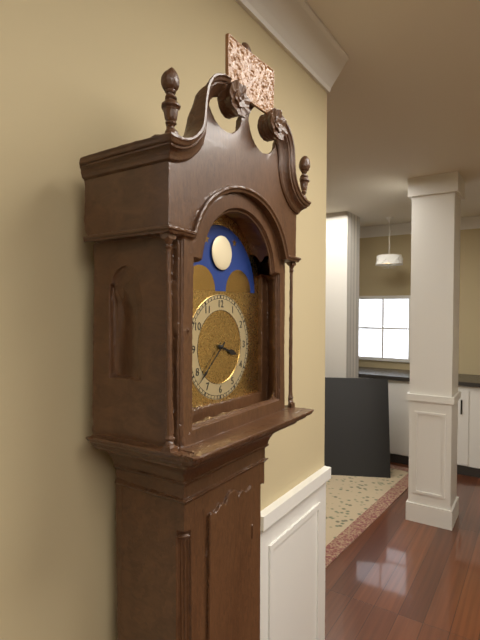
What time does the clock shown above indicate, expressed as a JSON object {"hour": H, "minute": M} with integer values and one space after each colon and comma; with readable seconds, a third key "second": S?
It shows {"hour": 3, "minute": 38}
